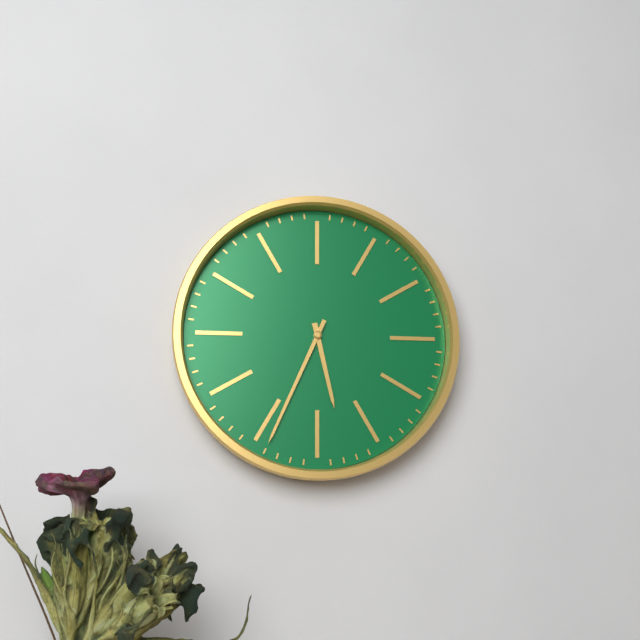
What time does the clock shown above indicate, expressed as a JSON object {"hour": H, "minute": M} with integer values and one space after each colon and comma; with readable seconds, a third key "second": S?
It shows {"hour": 5, "minute": 34}
